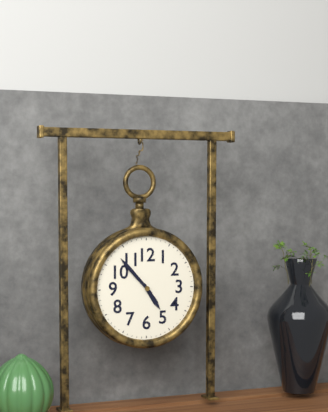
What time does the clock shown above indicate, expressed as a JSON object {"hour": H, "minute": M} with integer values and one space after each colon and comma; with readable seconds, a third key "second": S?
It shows {"hour": 4, "minute": 53}
